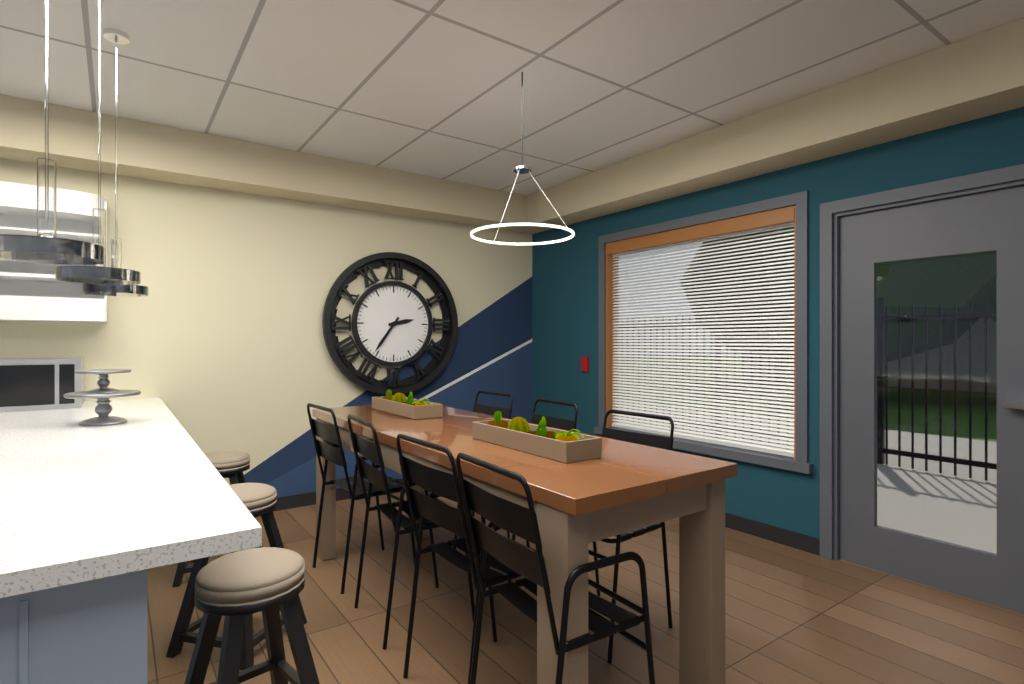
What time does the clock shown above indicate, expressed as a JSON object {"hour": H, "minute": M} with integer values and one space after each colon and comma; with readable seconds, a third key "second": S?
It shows {"hour": 2, "minute": 36}
